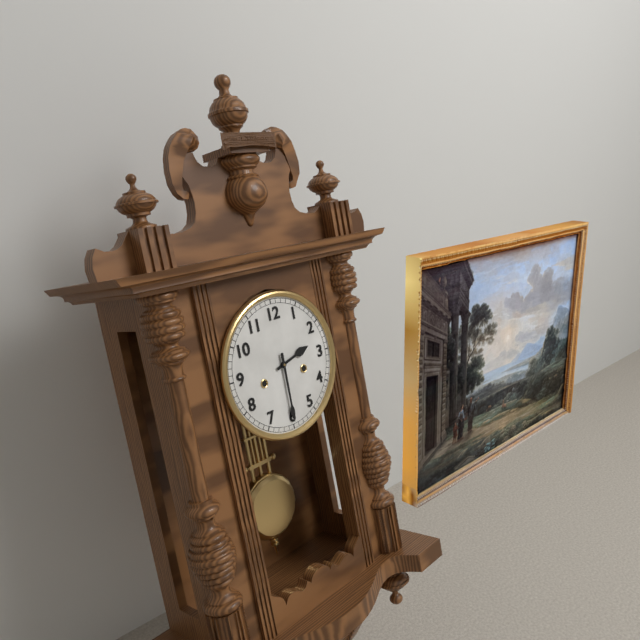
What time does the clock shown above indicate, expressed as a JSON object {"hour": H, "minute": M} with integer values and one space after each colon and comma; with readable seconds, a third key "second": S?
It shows {"hour": 2, "minute": 30}
